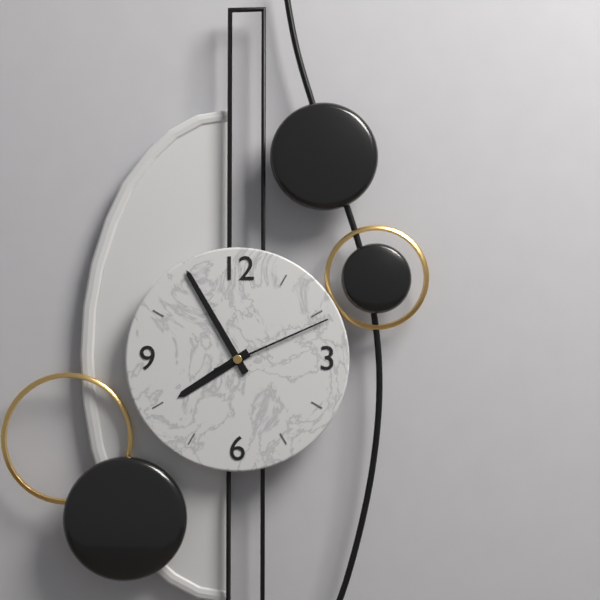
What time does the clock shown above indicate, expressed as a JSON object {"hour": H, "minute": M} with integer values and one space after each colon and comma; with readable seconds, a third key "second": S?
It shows {"hour": 7, "minute": 55, "second": 11}
